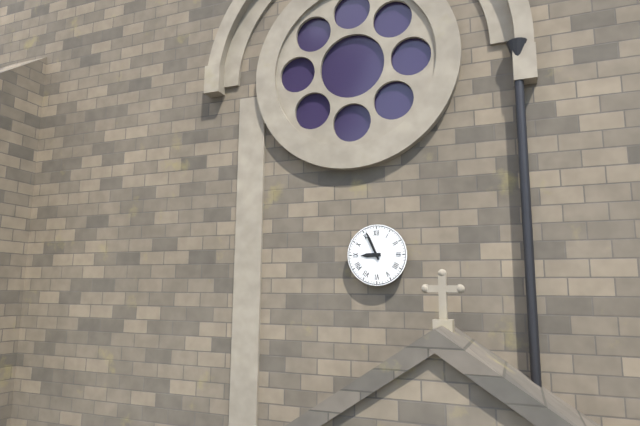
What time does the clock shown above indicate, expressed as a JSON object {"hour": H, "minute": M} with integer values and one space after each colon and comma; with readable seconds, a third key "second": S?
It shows {"hour": 8, "minute": 56}
